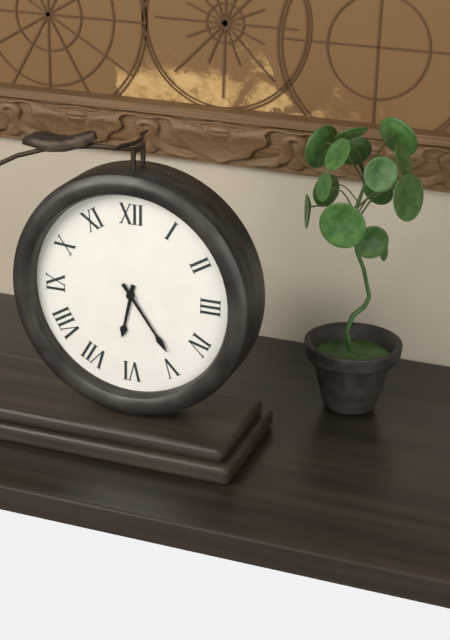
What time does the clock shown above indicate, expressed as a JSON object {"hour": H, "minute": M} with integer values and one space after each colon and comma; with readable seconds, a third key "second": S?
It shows {"hour": 6, "minute": 24}
